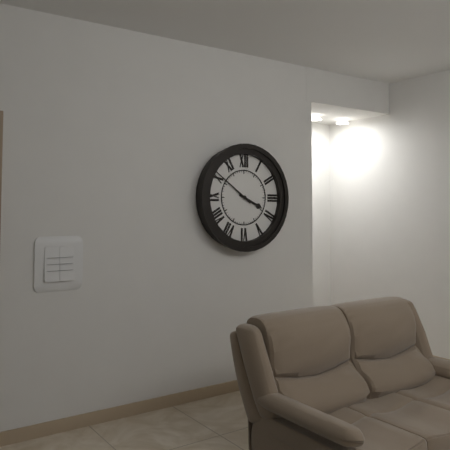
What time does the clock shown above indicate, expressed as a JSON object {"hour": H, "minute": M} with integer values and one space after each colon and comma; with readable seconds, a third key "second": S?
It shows {"hour": 3, "minute": 51}
